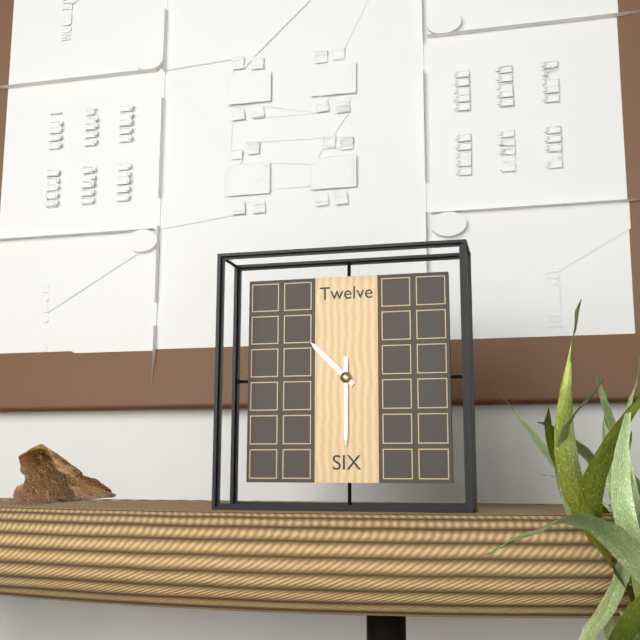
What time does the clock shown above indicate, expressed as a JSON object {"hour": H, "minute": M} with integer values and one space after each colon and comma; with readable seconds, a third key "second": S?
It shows {"hour": 10, "minute": 30}
